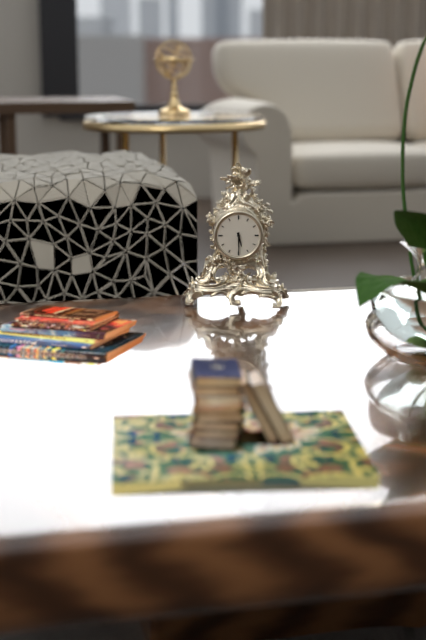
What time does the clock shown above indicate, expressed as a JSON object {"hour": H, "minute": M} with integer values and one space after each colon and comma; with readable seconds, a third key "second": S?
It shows {"hour": 5, "minute": 30}
